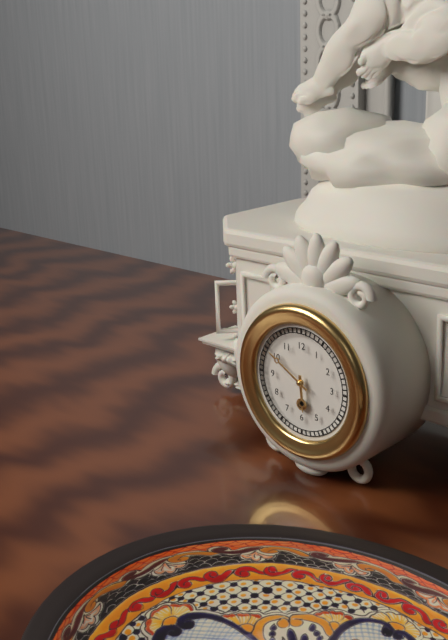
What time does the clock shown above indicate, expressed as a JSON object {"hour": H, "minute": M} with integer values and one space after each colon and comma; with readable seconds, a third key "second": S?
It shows {"hour": 5, "minute": 50}
